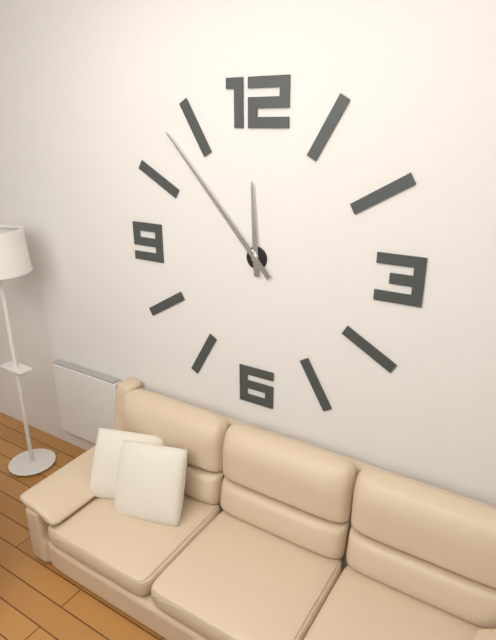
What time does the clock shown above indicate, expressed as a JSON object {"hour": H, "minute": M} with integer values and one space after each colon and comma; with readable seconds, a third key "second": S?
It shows {"hour": 11, "minute": 53}
